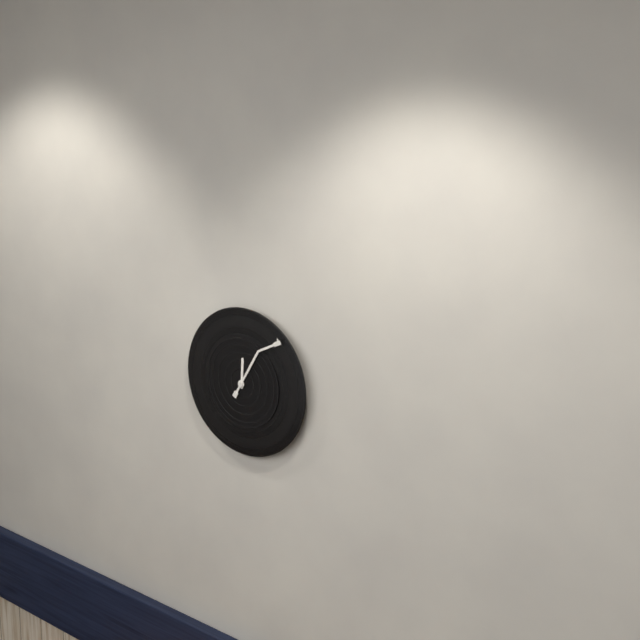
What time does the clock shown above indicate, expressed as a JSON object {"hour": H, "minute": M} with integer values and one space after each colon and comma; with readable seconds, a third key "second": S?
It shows {"hour": 12, "minute": 5}
